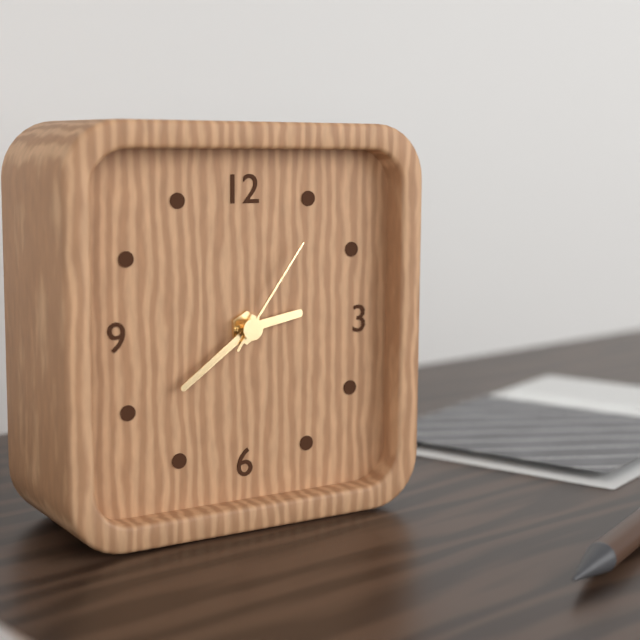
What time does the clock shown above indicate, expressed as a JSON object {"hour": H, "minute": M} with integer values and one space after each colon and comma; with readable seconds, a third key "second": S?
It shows {"hour": 2, "minute": 39, "second": 6}
